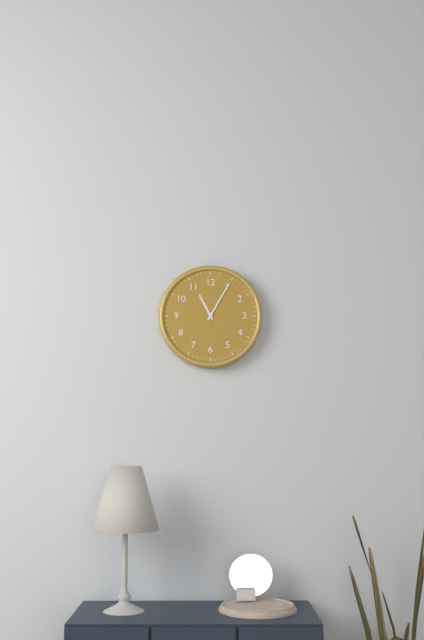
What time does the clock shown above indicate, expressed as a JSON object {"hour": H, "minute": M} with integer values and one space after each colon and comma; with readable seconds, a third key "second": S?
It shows {"hour": 11, "minute": 5}
